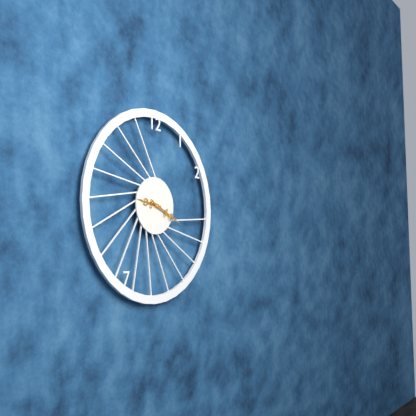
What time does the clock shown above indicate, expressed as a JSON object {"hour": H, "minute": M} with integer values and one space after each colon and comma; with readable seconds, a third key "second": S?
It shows {"hour": 9, "minute": 19}
